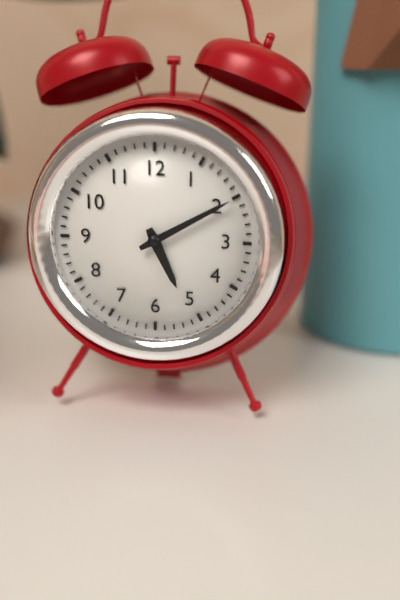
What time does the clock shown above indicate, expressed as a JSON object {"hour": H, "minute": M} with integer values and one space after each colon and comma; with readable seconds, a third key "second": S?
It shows {"hour": 5, "minute": 10}
